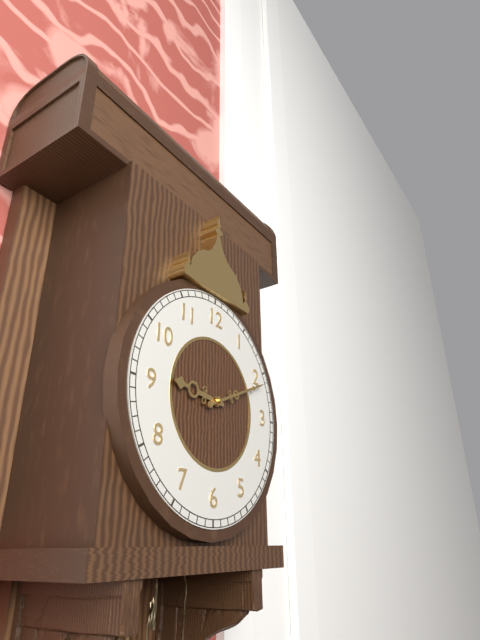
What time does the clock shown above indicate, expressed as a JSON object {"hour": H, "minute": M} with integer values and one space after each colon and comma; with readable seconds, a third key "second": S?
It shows {"hour": 9, "minute": 11}
